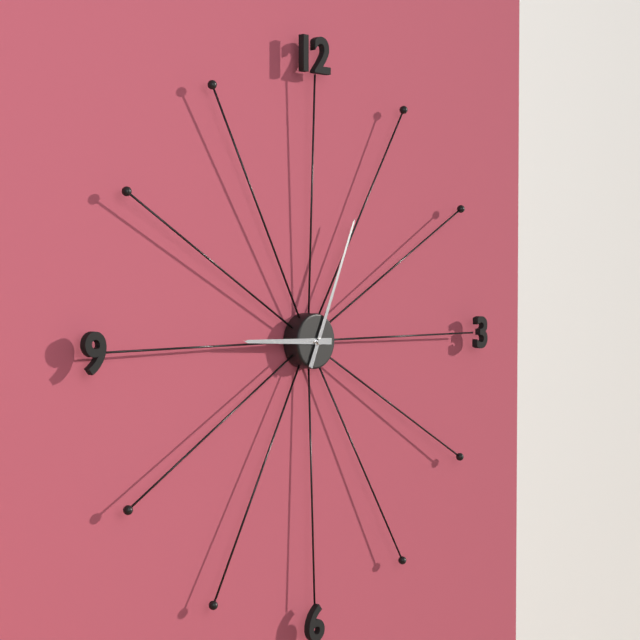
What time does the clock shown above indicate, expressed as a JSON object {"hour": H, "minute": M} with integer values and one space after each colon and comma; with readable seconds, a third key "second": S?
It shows {"hour": 9, "minute": 4}
